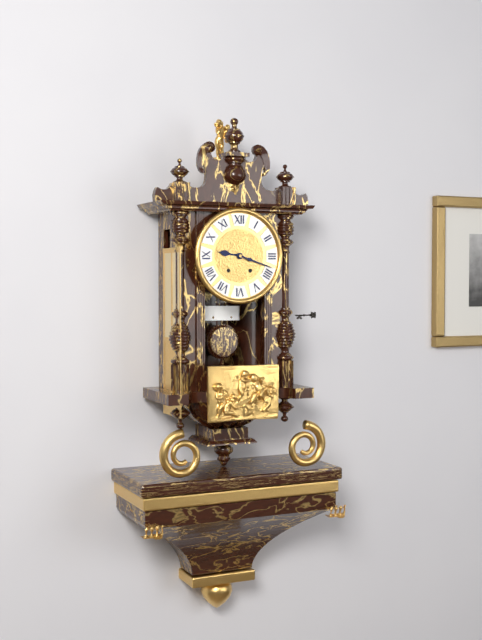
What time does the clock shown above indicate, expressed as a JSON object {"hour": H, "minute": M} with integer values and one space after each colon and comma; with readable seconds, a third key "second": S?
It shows {"hour": 9, "minute": 18}
